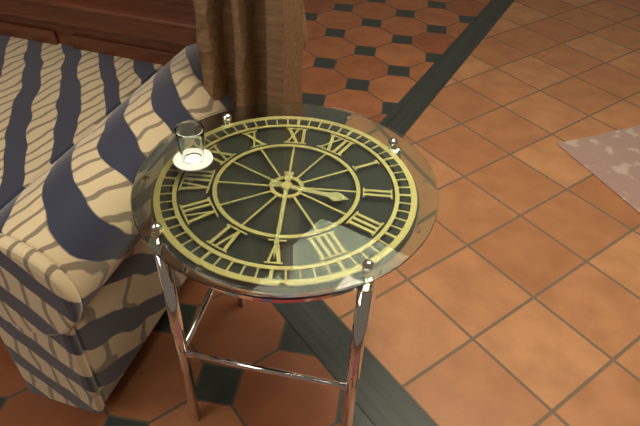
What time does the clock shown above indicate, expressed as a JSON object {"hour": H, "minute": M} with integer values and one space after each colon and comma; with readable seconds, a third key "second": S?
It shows {"hour": 2, "minute": 25}
